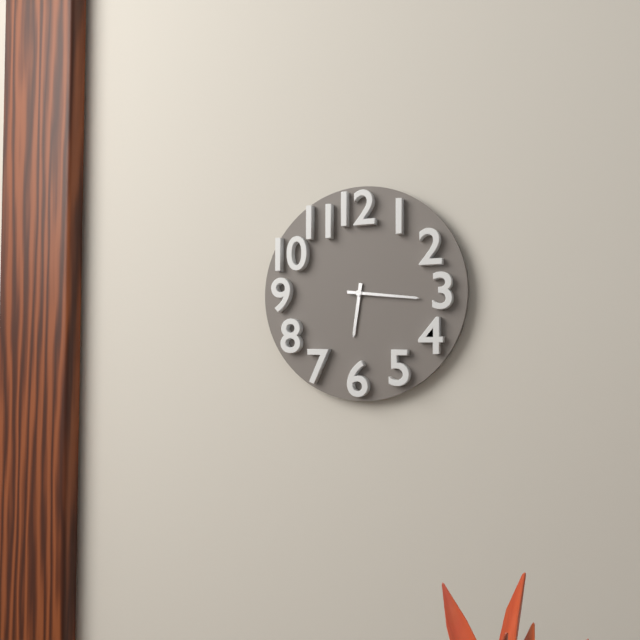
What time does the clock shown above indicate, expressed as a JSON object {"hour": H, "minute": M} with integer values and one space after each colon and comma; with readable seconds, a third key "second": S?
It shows {"hour": 6, "minute": 16}
